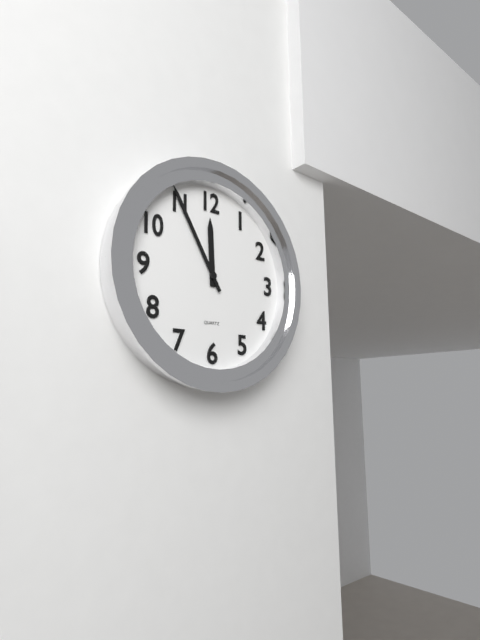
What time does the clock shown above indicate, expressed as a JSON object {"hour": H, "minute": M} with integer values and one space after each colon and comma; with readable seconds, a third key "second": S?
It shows {"hour": 11, "minute": 55}
